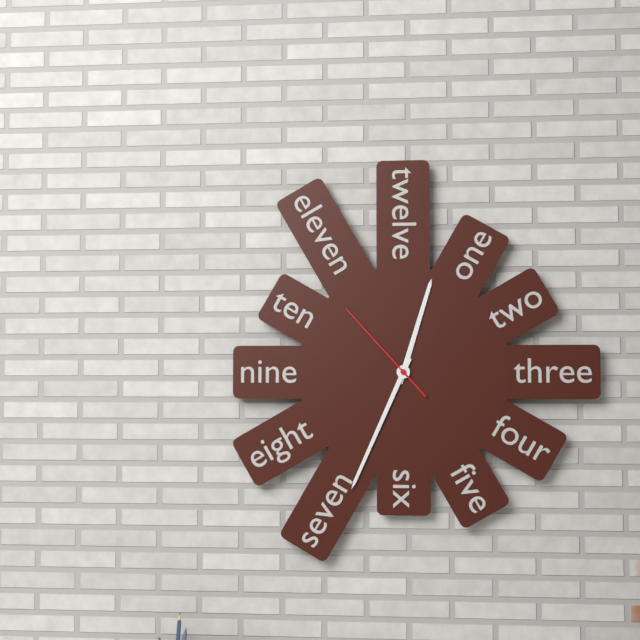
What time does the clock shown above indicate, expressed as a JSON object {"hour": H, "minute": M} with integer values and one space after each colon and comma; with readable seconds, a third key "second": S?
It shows {"hour": 12, "minute": 34, "second": 53}
